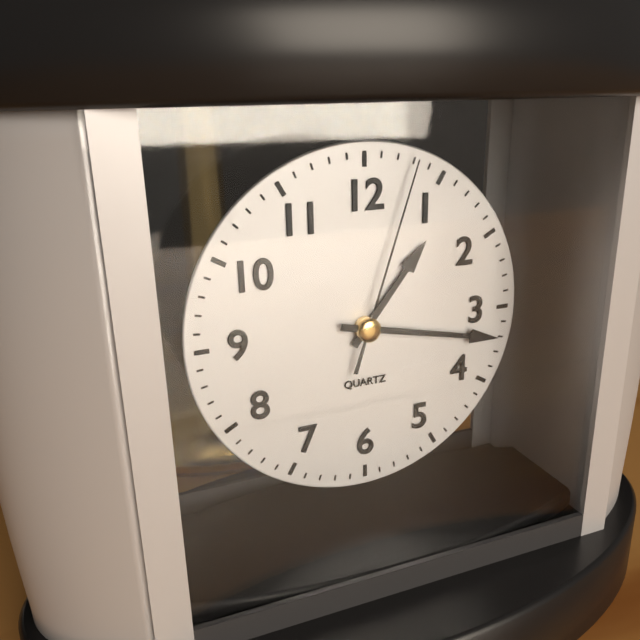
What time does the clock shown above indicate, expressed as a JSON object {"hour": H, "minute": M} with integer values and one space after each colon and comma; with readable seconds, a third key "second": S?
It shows {"hour": 1, "minute": 17, "second": 3}
